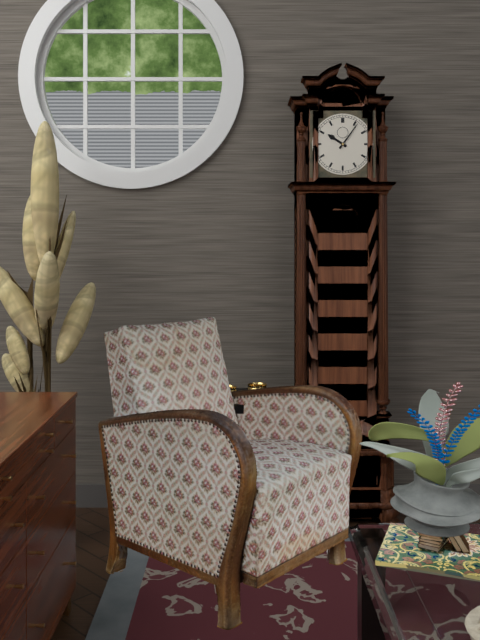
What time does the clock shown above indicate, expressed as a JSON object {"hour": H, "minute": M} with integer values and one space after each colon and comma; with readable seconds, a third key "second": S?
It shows {"hour": 10, "minute": 6}
